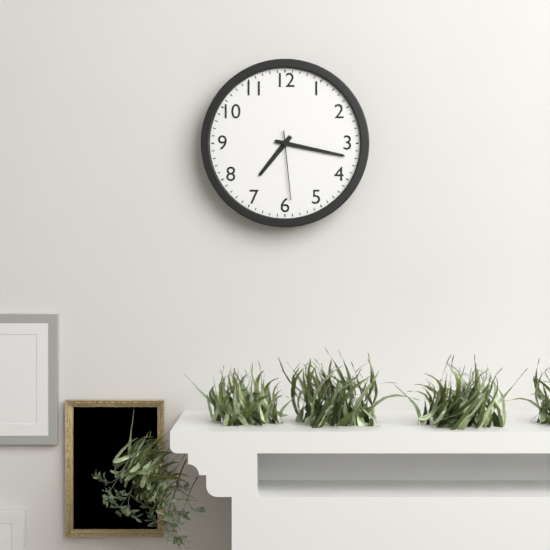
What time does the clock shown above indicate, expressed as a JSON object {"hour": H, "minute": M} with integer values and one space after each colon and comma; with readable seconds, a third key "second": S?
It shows {"hour": 7, "minute": 17, "second": 29}
